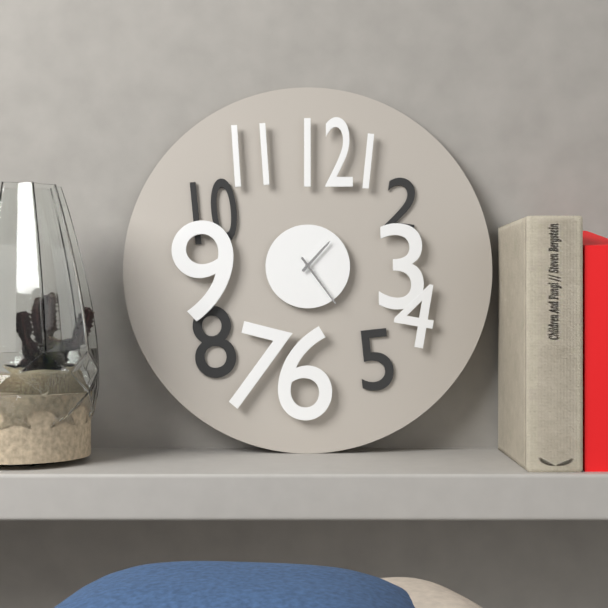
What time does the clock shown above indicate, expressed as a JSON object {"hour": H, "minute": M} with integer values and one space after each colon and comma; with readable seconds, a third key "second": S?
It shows {"hour": 1, "minute": 24}
